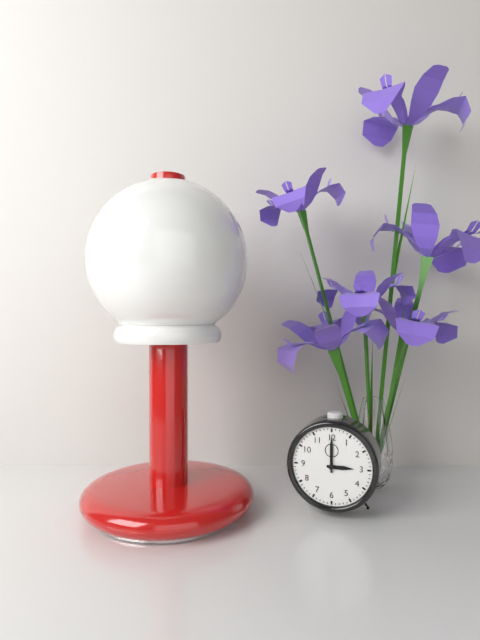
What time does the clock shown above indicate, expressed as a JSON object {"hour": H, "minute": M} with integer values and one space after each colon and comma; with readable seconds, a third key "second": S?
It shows {"hour": 3, "minute": 0}
